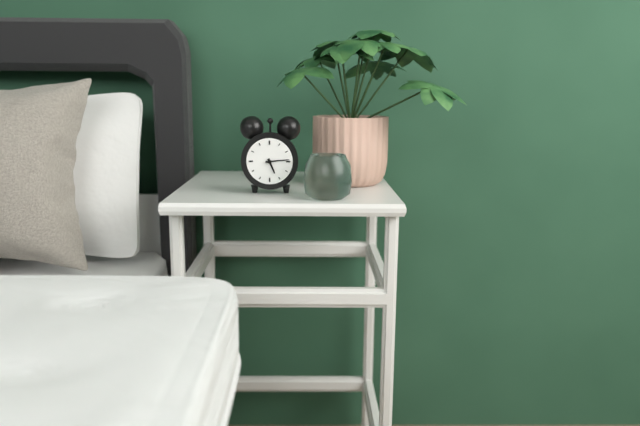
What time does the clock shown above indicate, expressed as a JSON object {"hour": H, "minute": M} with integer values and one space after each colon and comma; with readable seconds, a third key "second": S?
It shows {"hour": 5, "minute": 14}
